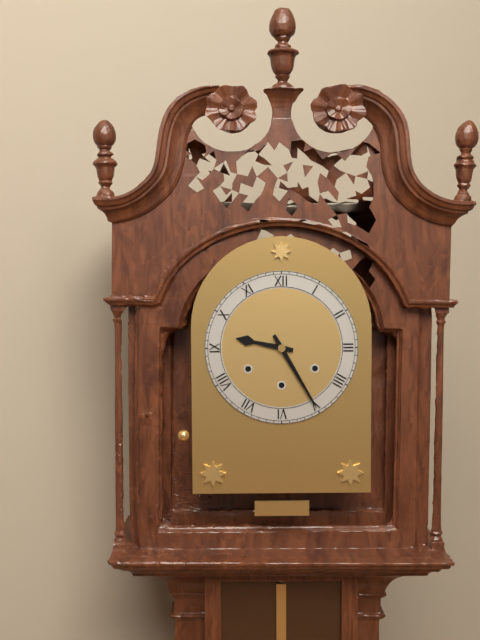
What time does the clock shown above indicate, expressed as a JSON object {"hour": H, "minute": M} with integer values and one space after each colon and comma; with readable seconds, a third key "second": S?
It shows {"hour": 9, "minute": 25}
